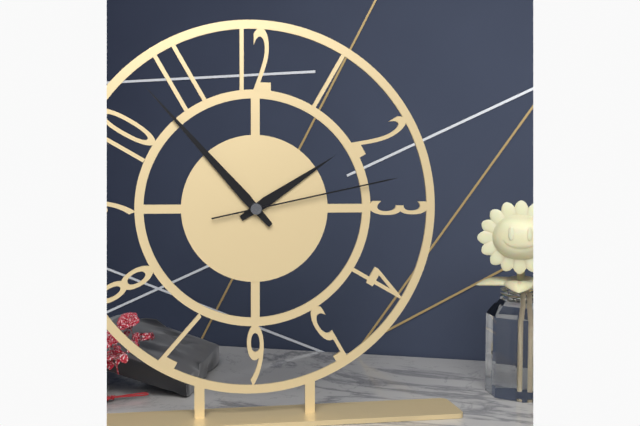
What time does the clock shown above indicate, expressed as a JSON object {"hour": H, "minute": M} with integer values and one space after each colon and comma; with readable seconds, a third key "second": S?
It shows {"hour": 1, "minute": 53, "second": 13}
